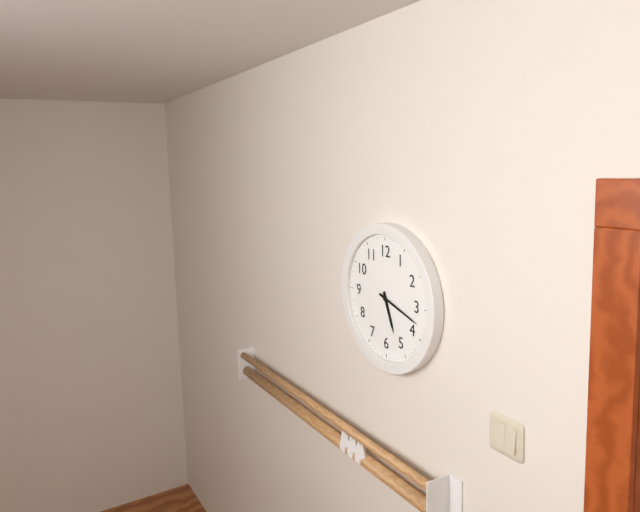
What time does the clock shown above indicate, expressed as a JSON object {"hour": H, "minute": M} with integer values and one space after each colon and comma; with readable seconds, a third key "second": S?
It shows {"hour": 5, "minute": 18}
